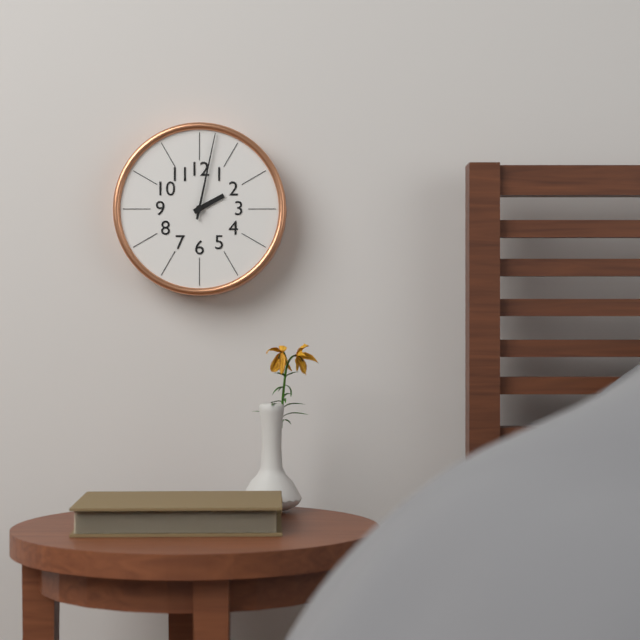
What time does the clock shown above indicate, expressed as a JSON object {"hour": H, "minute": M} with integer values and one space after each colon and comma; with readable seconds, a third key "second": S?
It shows {"hour": 2, "minute": 2}
